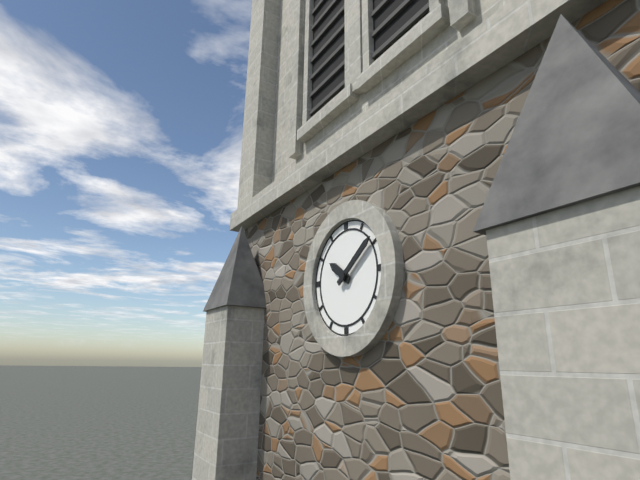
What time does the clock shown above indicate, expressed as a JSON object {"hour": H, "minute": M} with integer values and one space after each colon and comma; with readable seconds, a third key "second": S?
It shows {"hour": 10, "minute": 9}
